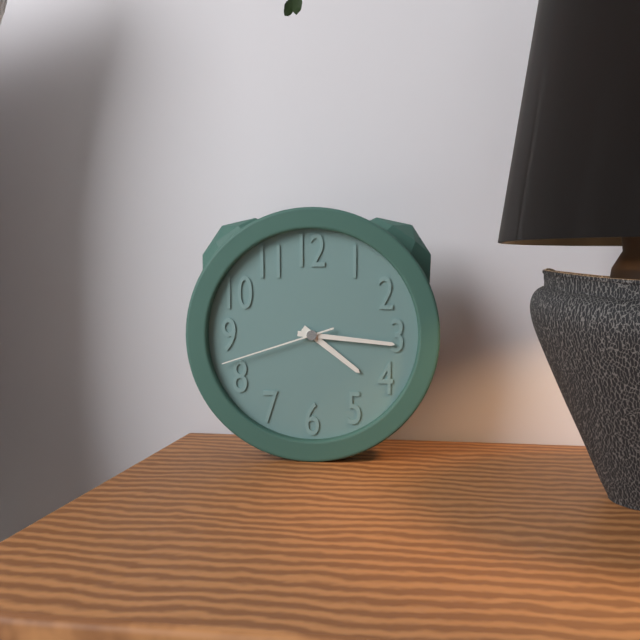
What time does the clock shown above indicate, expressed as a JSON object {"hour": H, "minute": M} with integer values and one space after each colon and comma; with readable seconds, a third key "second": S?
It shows {"hour": 4, "minute": 16, "second": 42}
